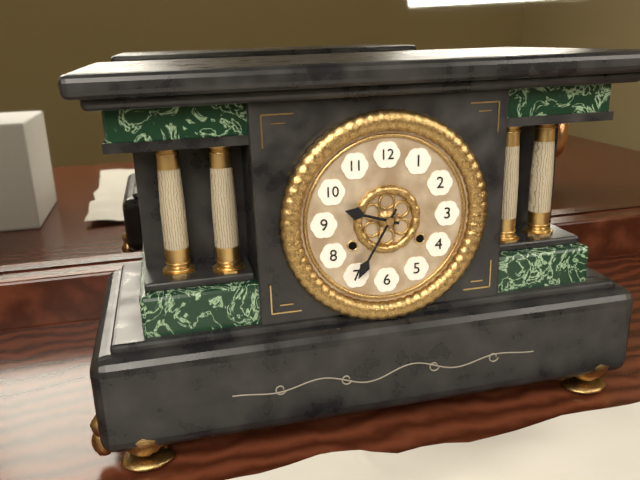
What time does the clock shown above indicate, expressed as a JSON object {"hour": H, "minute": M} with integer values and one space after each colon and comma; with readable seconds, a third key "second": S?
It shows {"hour": 9, "minute": 35}
